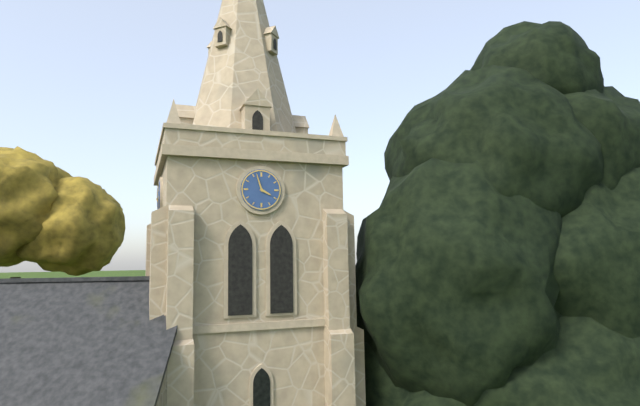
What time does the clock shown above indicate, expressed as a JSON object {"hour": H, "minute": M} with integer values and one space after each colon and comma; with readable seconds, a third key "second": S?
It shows {"hour": 3, "minute": 57}
